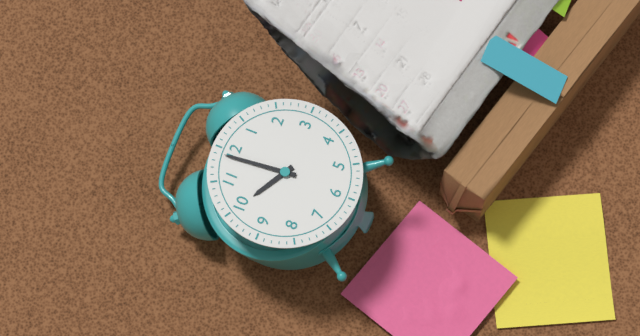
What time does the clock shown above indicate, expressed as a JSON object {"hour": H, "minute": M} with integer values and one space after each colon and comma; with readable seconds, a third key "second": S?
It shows {"hour": 9, "minute": 59}
